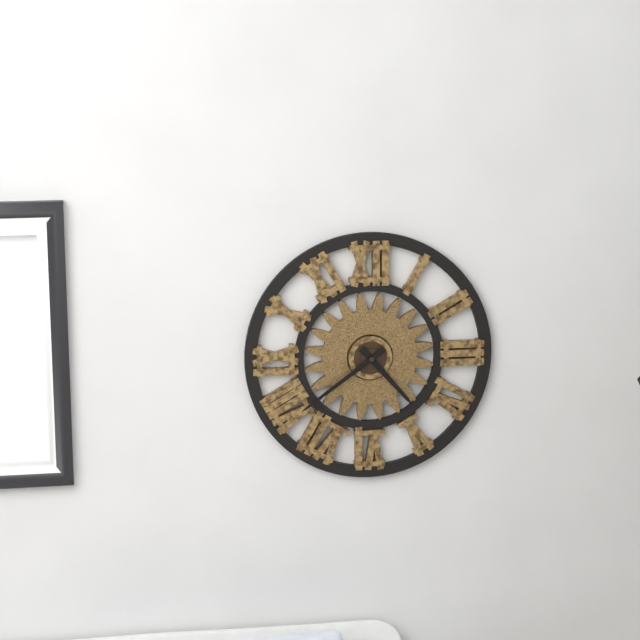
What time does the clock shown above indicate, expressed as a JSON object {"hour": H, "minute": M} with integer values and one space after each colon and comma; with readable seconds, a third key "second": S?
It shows {"hour": 4, "minute": 39}
